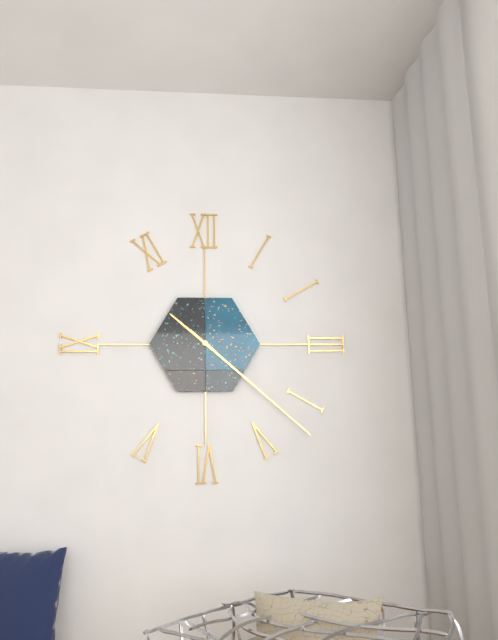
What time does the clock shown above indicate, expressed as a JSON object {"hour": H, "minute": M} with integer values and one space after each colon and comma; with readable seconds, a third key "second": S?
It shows {"hour": 10, "minute": 22}
